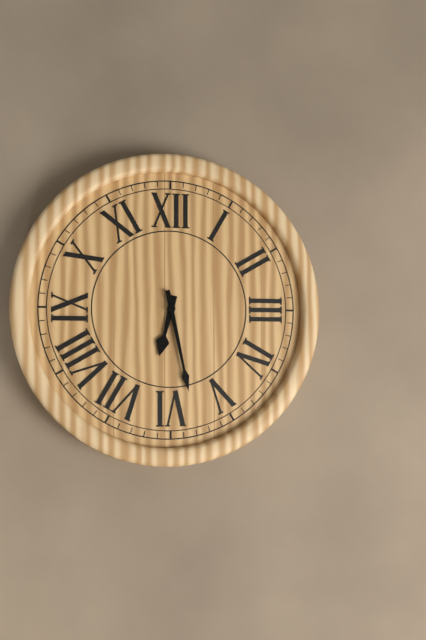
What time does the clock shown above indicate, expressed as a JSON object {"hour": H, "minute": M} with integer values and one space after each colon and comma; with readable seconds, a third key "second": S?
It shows {"hour": 6, "minute": 28}
